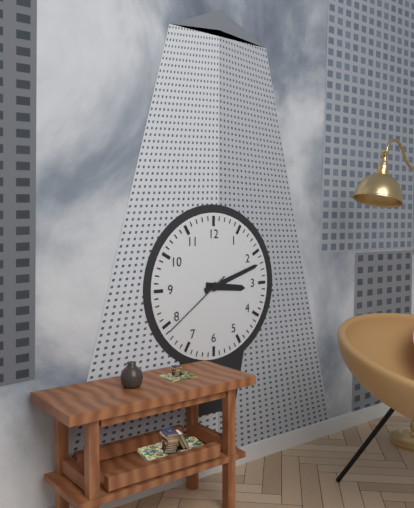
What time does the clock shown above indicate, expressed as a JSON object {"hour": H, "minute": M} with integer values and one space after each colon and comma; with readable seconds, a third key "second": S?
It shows {"hour": 3, "minute": 12, "second": 39}
